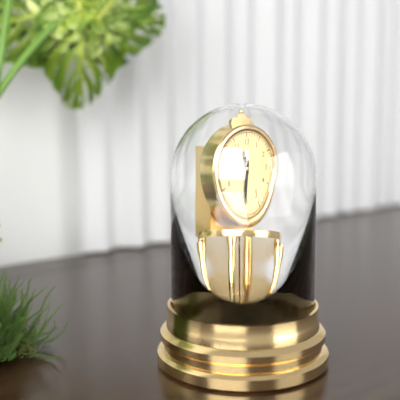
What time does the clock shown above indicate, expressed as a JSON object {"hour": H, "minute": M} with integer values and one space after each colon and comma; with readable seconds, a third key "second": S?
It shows {"hour": 11, "minute": 31}
